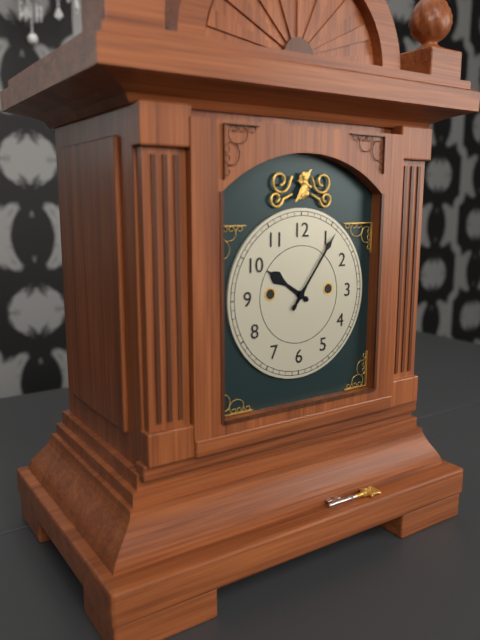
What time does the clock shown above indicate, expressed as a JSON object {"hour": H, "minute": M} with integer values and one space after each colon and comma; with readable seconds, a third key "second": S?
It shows {"hour": 10, "minute": 6}
